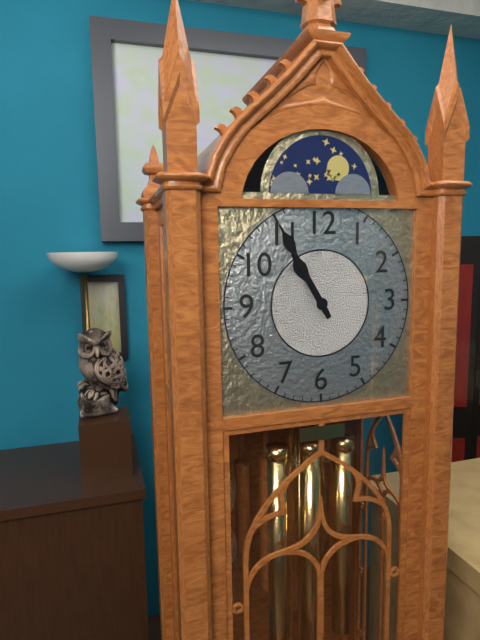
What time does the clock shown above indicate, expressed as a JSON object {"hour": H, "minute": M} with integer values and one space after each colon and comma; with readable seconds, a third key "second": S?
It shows {"hour": 10, "minute": 55}
